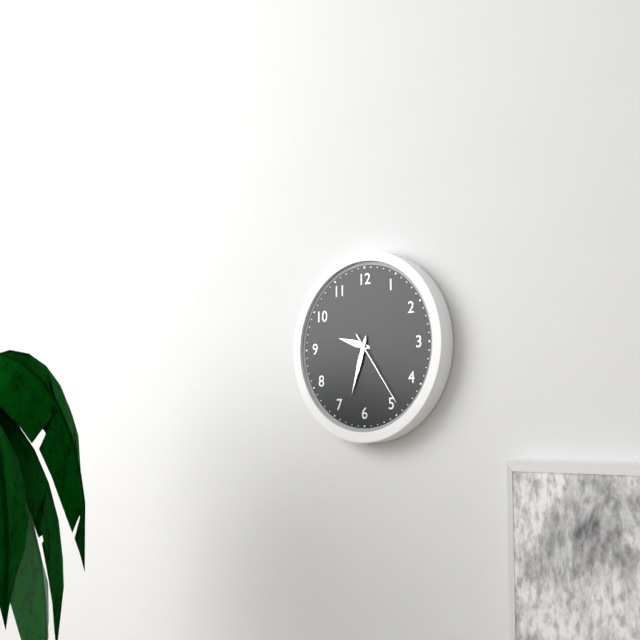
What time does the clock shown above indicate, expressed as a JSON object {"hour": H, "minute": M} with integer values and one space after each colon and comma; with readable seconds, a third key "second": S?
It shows {"hour": 9, "minute": 33, "second": 24}
